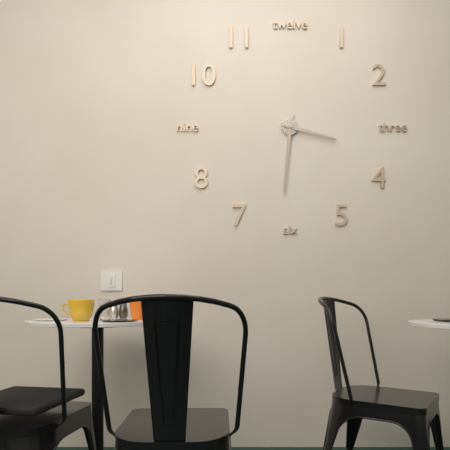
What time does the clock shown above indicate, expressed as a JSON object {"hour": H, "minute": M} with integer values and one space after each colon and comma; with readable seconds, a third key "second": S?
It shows {"hour": 3, "minute": 31}
